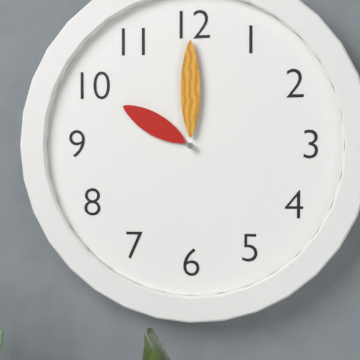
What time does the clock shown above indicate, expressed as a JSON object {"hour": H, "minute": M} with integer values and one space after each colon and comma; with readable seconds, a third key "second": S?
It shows {"hour": 10, "minute": 0}
